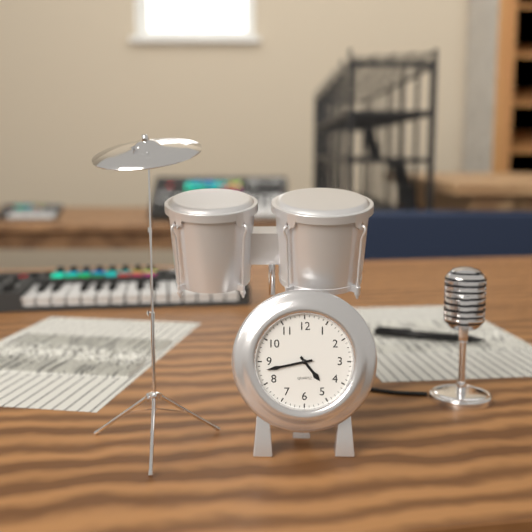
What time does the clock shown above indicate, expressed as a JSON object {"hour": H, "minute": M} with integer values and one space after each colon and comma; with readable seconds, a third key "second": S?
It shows {"hour": 4, "minute": 43}
